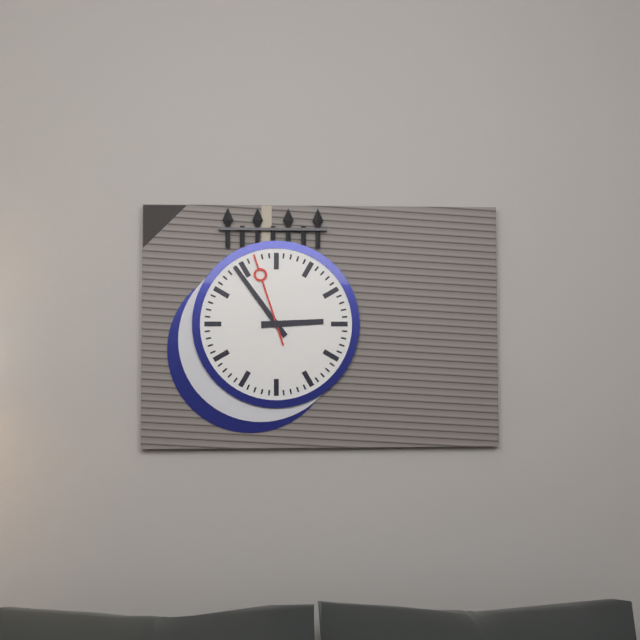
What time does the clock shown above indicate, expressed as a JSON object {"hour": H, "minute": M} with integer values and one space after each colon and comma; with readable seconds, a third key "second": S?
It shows {"hour": 2, "minute": 54, "second": 57}
